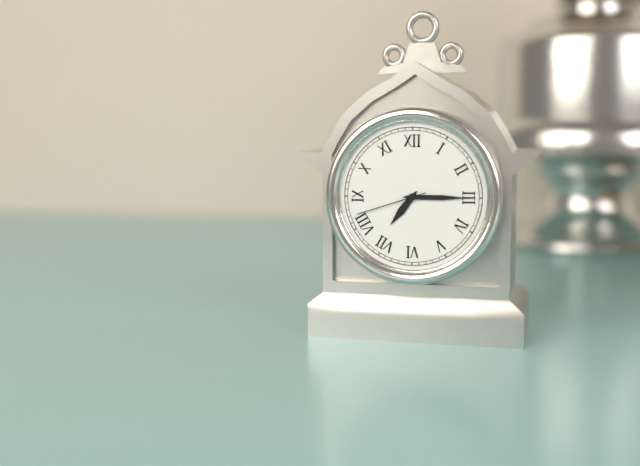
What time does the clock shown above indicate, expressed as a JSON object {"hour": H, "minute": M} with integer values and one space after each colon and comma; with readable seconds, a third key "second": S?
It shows {"hour": 7, "minute": 15, "second": 42}
